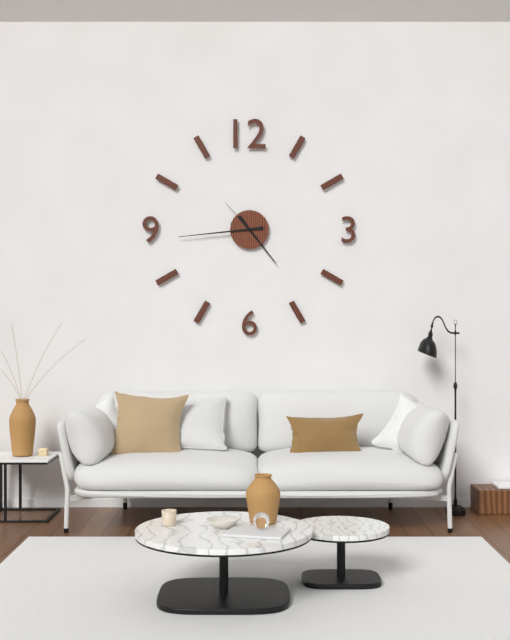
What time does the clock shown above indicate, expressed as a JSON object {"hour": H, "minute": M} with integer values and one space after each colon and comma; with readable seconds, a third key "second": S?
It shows {"hour": 4, "minute": 44}
